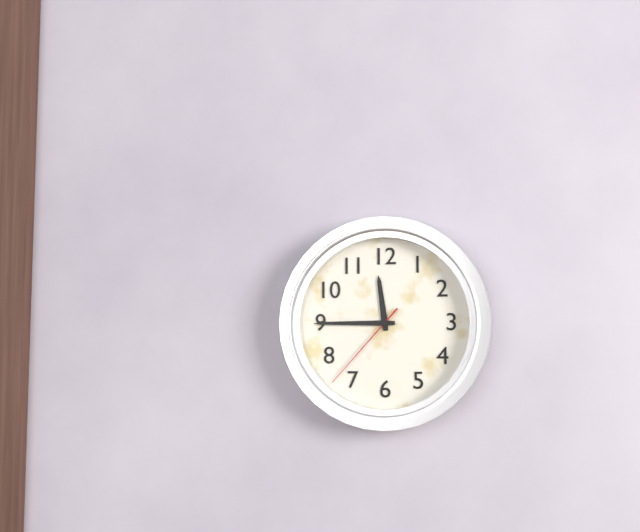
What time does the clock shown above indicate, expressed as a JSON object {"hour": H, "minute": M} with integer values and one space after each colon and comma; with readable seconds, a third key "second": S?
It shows {"hour": 11, "minute": 45, "second": 37}
